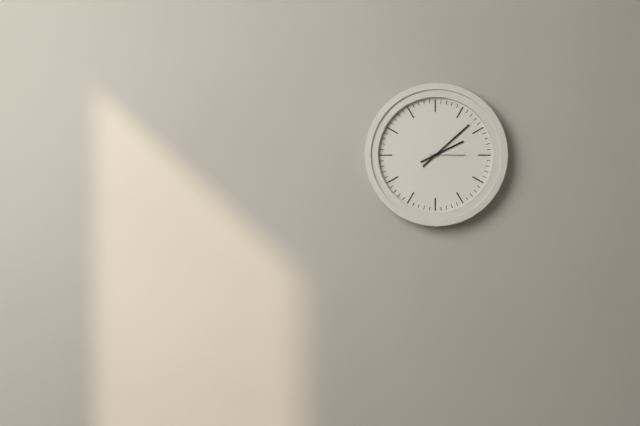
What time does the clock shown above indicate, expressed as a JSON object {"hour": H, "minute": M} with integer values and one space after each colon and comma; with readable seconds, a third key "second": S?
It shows {"hour": 2, "minute": 8}
